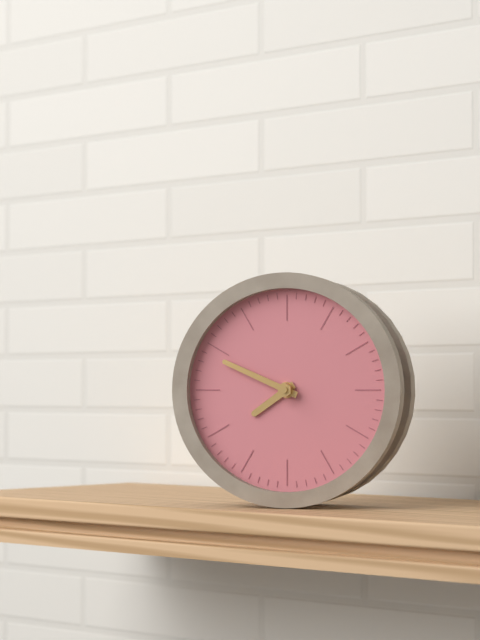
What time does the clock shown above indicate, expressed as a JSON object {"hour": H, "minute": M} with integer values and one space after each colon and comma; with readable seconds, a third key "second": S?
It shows {"hour": 7, "minute": 49}
